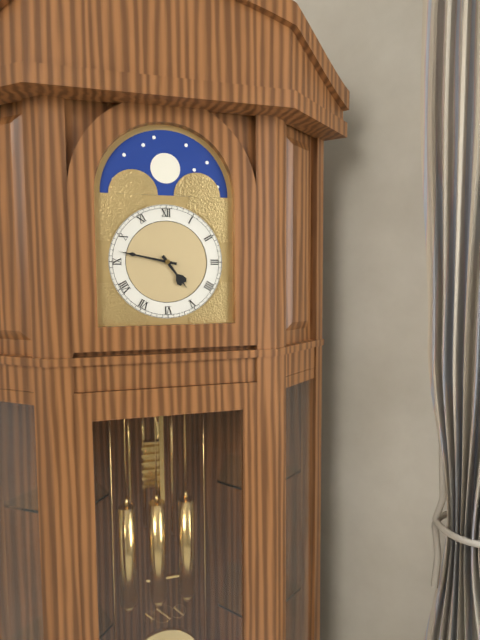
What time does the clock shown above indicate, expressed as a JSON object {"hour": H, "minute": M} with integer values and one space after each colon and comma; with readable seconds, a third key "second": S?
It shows {"hour": 4, "minute": 47}
